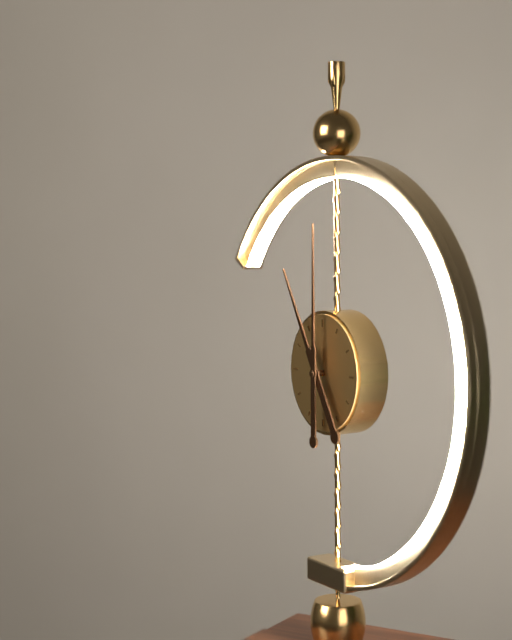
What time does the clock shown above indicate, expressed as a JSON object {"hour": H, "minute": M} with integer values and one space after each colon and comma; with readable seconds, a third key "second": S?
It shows {"hour": 11, "minute": 0}
